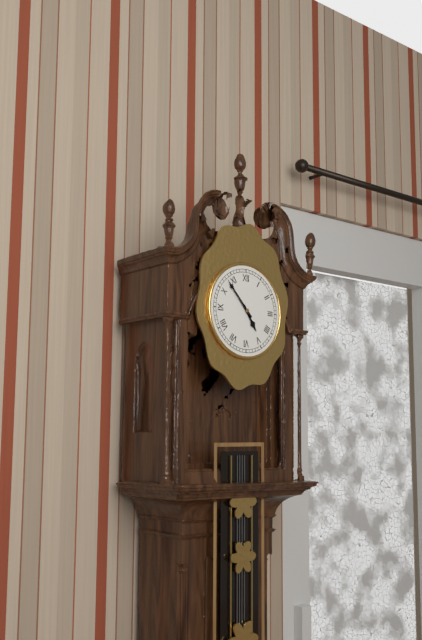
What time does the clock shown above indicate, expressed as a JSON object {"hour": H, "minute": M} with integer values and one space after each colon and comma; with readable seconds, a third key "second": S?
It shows {"hour": 4, "minute": 53}
